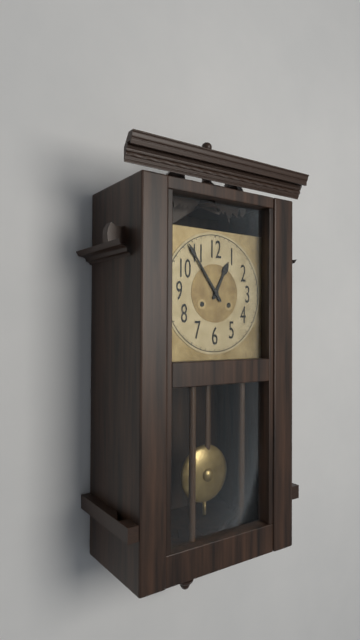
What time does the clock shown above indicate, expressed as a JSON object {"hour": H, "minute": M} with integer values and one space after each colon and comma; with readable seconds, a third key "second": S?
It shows {"hour": 12, "minute": 54}
